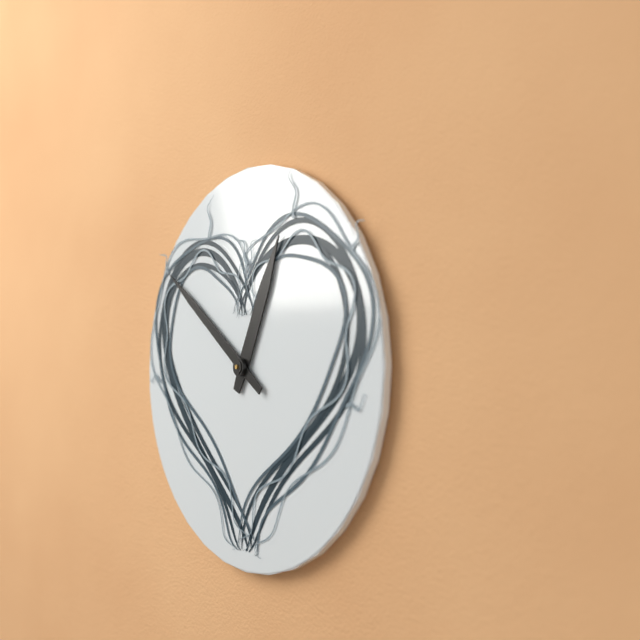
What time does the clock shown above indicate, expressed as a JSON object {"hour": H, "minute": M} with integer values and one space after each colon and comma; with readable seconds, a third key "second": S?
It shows {"hour": 12, "minute": 51}
